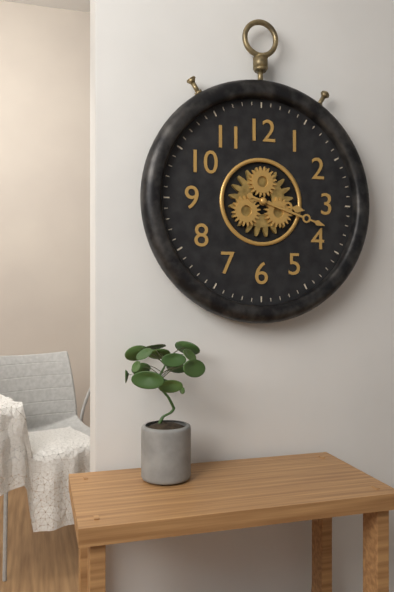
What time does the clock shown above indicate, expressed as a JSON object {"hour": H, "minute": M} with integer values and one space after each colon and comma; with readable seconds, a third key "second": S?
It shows {"hour": 3, "minute": 18}
